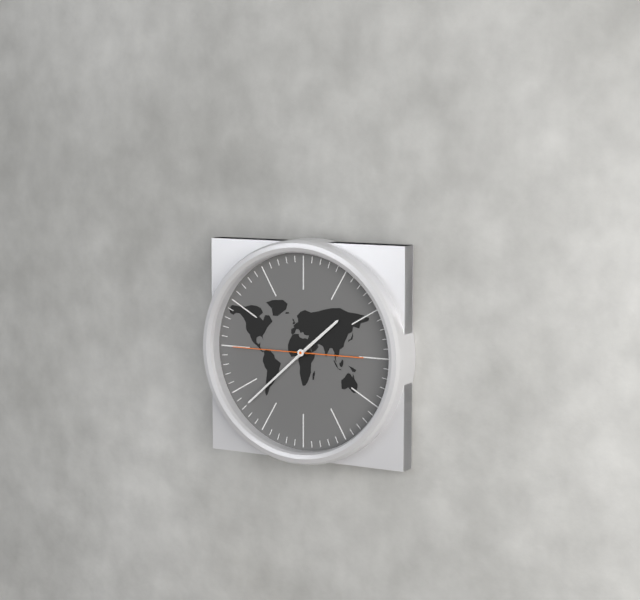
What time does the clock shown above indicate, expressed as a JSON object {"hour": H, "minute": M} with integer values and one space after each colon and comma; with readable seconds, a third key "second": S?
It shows {"hour": 1, "minute": 38, "second": 45}
